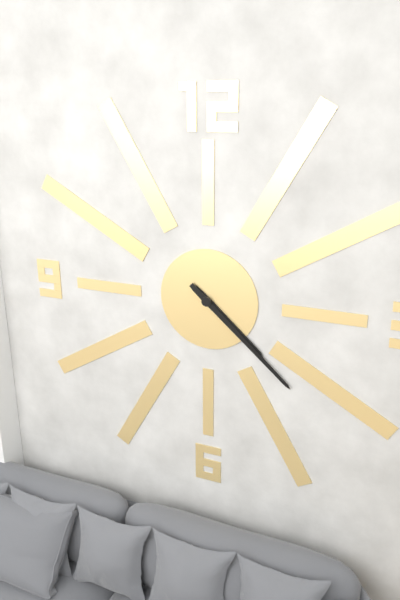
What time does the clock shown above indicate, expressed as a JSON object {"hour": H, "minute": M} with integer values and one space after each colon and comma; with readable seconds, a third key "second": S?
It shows {"hour": 4, "minute": 22}
